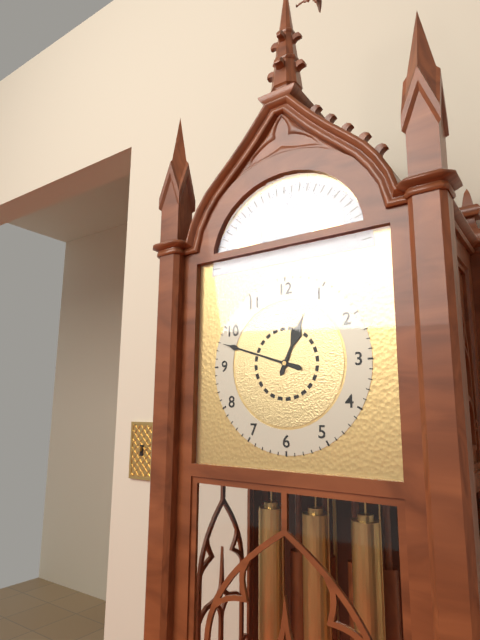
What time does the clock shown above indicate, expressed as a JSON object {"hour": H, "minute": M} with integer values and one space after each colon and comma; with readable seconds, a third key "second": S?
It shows {"hour": 12, "minute": 48}
